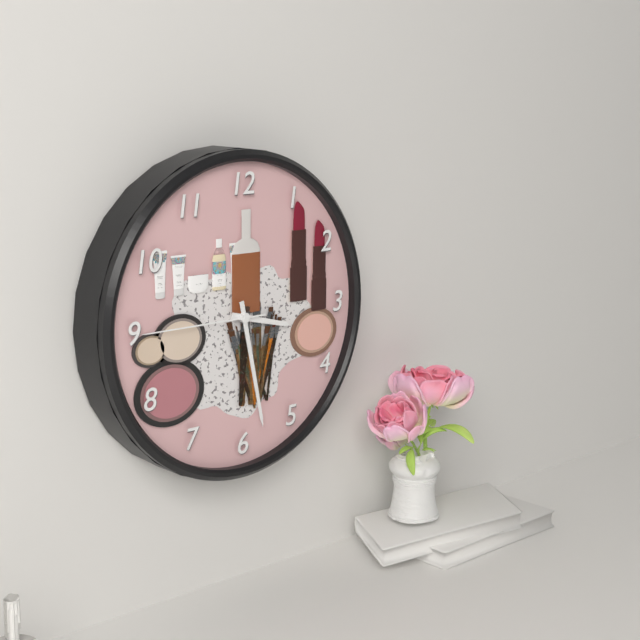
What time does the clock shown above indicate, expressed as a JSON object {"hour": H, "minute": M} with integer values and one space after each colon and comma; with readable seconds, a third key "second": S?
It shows {"hour": 3, "minute": 28, "second": 45}
